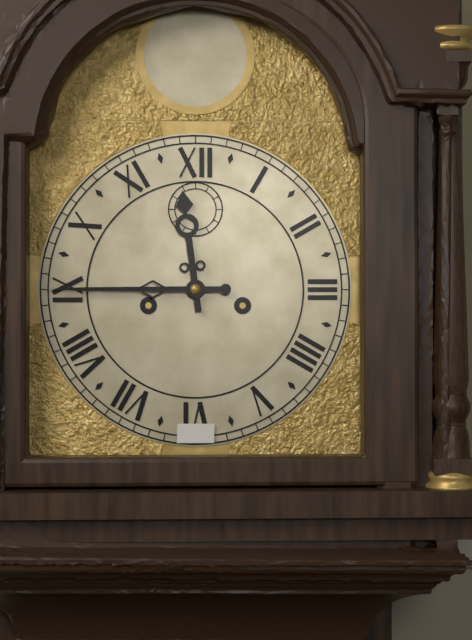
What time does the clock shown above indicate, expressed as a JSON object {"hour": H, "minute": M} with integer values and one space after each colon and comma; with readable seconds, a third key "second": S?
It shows {"hour": 11, "minute": 45}
